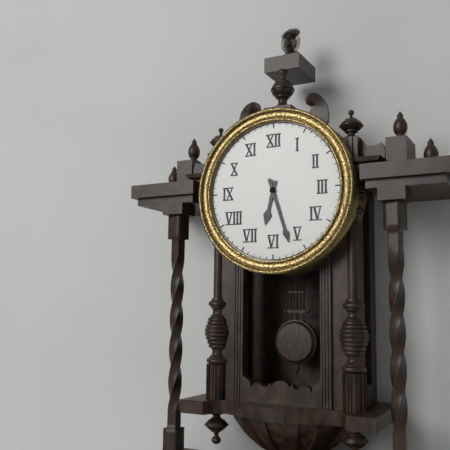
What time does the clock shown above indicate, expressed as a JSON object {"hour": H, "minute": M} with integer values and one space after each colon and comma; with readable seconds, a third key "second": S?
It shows {"hour": 6, "minute": 27}
